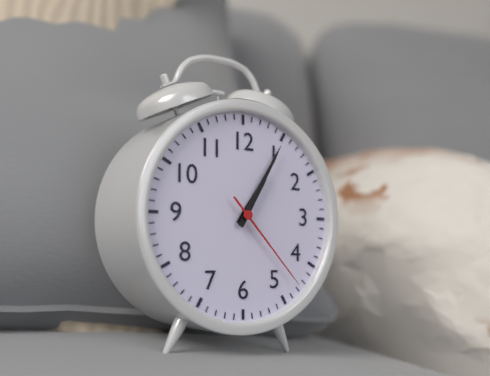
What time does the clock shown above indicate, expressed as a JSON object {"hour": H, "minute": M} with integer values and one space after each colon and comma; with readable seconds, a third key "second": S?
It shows {"hour": 1, "minute": 5, "second": 23}
